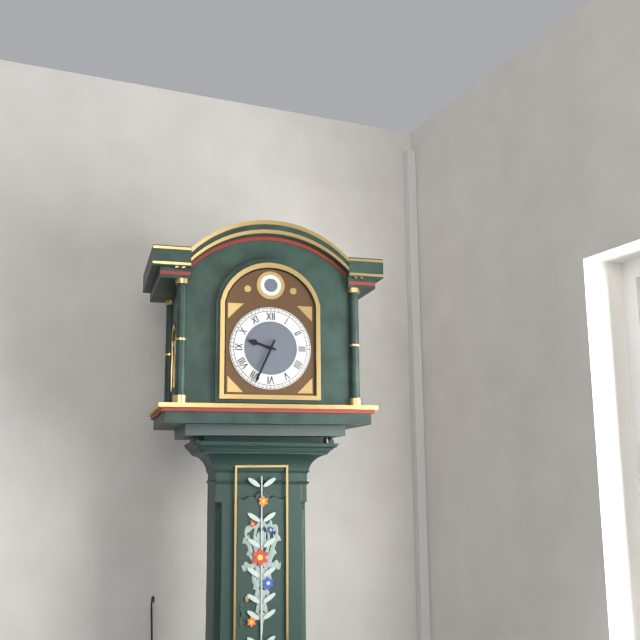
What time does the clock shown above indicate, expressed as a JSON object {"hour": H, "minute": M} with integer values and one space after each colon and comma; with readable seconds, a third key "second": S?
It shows {"hour": 9, "minute": 34}
